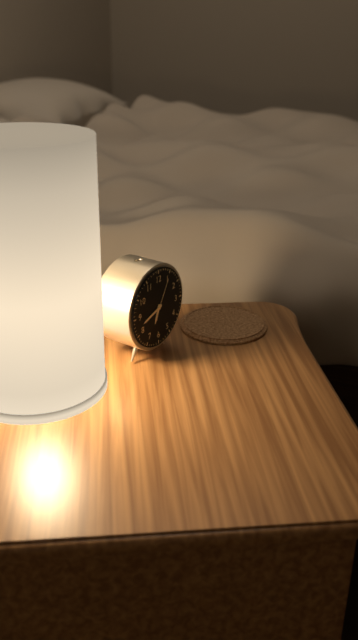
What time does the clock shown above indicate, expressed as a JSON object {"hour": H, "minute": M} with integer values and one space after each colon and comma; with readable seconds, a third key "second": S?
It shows {"hour": 6, "minute": 42}
